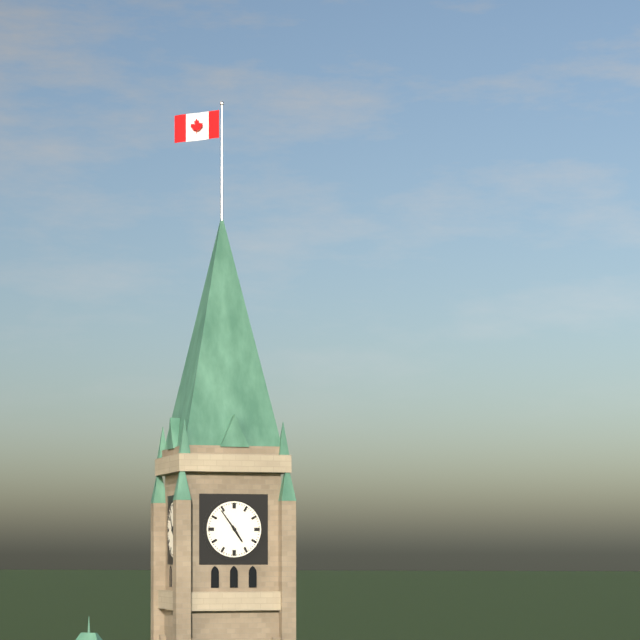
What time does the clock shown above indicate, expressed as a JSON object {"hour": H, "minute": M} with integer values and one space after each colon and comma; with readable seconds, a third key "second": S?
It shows {"hour": 4, "minute": 54}
